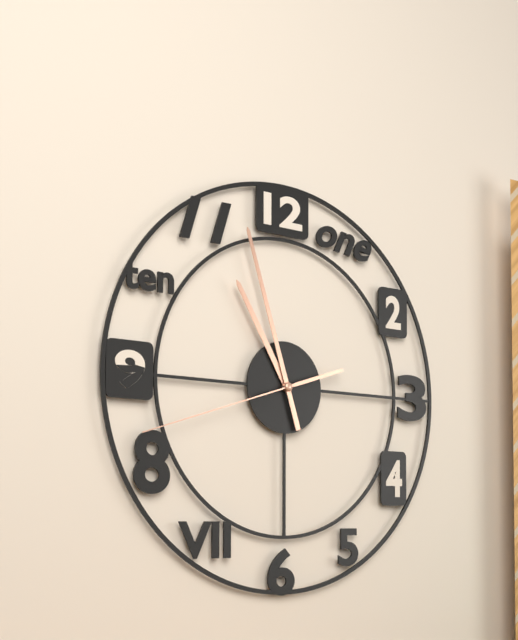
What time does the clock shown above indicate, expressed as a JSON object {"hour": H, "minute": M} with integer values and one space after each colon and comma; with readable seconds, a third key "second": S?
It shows {"hour": 10, "minute": 57, "second": 42}
